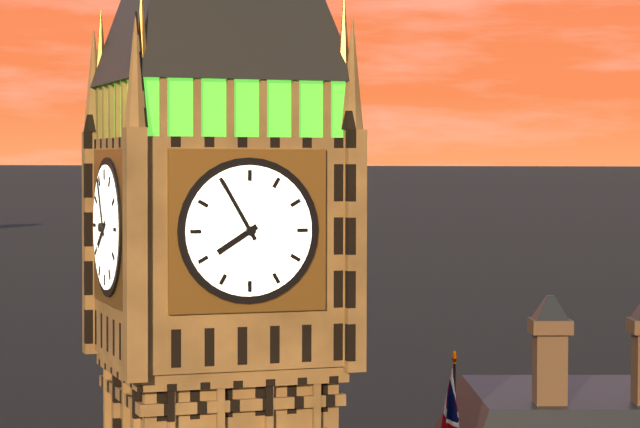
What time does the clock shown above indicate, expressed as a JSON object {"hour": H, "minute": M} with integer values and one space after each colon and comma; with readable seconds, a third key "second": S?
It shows {"hour": 7, "minute": 55}
